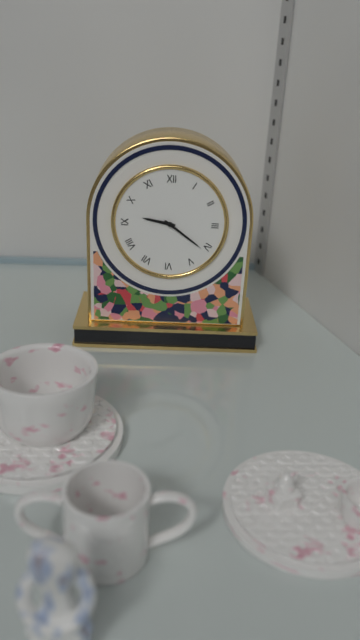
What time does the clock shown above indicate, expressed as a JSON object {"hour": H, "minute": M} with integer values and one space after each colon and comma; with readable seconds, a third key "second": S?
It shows {"hour": 9, "minute": 21}
